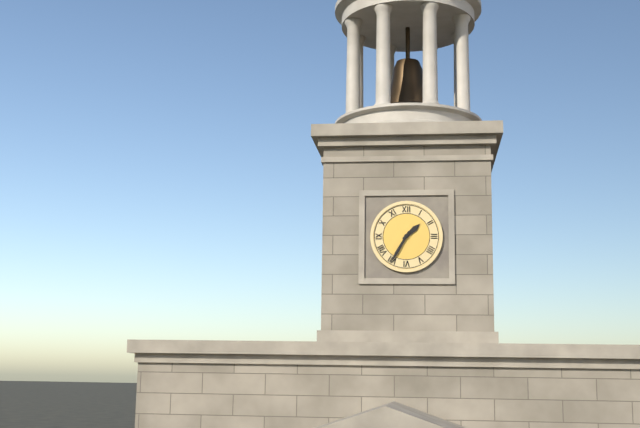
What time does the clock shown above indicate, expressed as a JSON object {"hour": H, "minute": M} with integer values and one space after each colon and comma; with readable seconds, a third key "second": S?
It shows {"hour": 1, "minute": 35}
